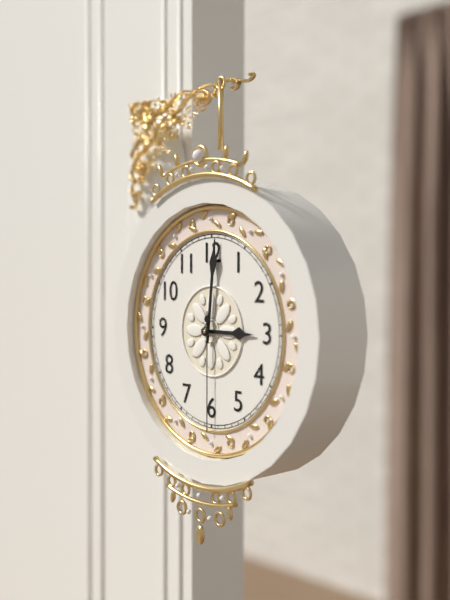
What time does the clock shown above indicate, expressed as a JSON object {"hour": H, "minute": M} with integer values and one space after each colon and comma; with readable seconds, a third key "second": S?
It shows {"hour": 3, "minute": 1, "second": 30}
